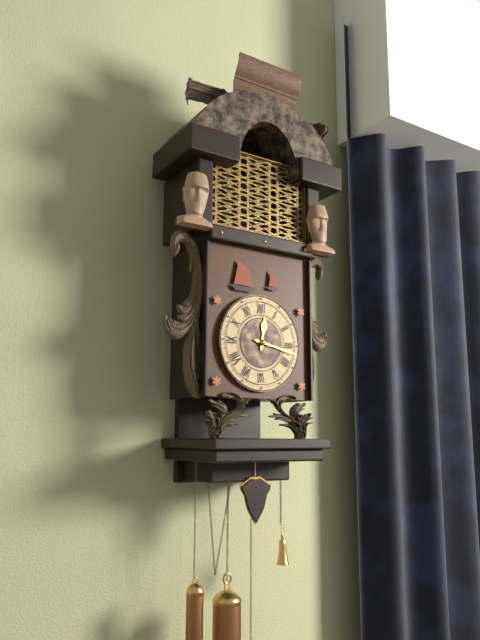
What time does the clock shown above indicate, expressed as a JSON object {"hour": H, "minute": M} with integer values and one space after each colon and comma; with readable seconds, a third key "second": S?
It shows {"hour": 12, "minute": 17}
